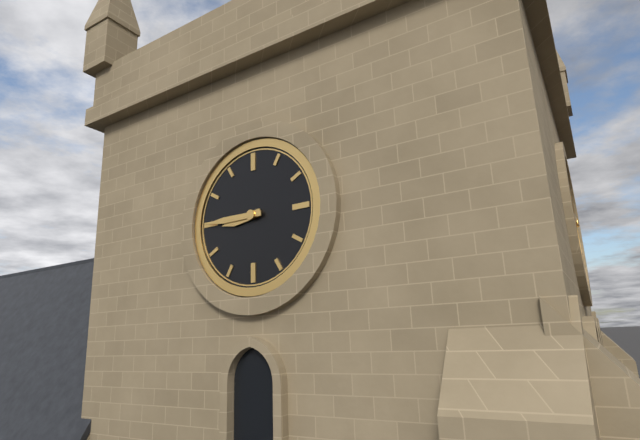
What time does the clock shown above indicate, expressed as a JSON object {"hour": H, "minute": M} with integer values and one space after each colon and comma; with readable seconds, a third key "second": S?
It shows {"hour": 8, "minute": 45}
